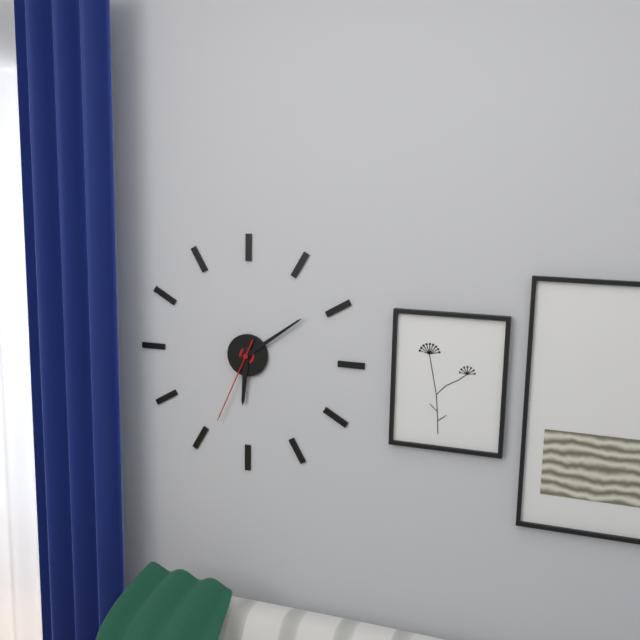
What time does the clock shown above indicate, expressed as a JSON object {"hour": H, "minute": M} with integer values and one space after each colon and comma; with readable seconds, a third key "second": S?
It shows {"hour": 6, "minute": 9, "second": 34}
